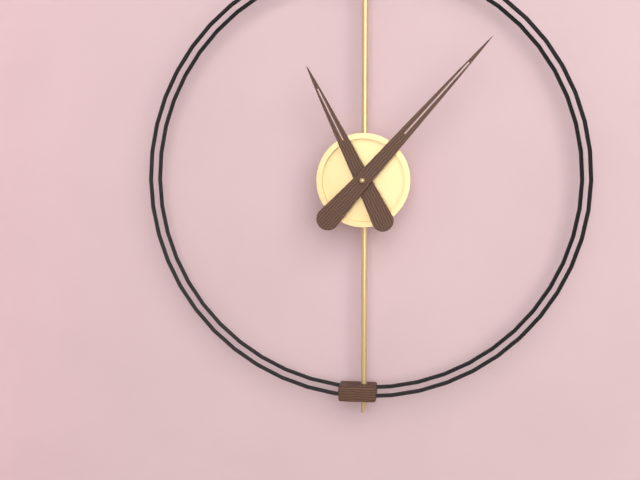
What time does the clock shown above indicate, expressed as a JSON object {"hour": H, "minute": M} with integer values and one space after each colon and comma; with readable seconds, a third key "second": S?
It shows {"hour": 11, "minute": 7}
